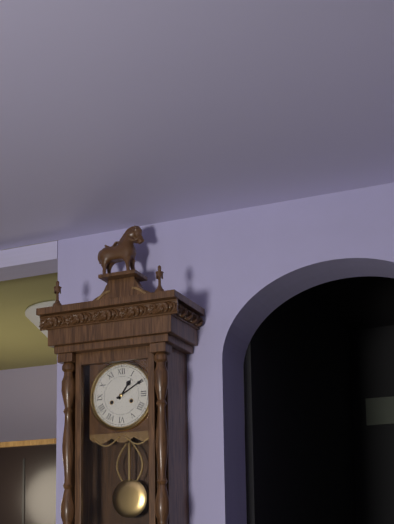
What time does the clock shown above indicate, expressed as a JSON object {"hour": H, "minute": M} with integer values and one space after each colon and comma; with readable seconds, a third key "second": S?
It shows {"hour": 1, "minute": 10}
